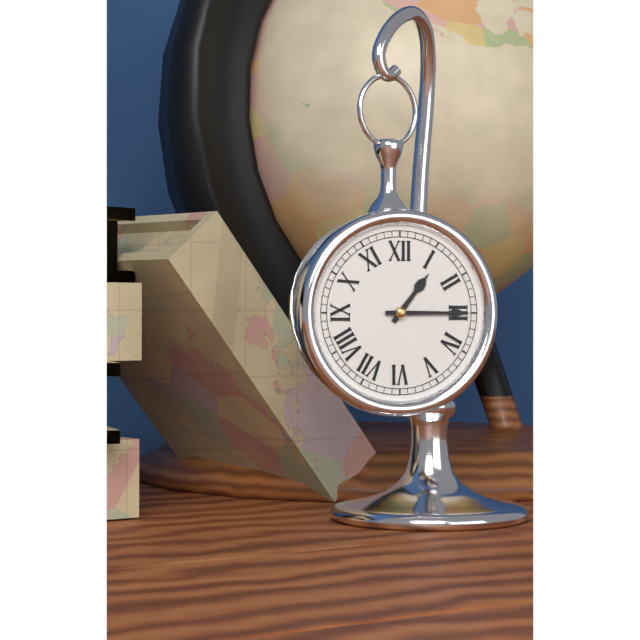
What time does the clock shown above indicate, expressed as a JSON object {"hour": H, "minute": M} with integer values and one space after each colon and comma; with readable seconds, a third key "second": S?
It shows {"hour": 1, "minute": 15}
